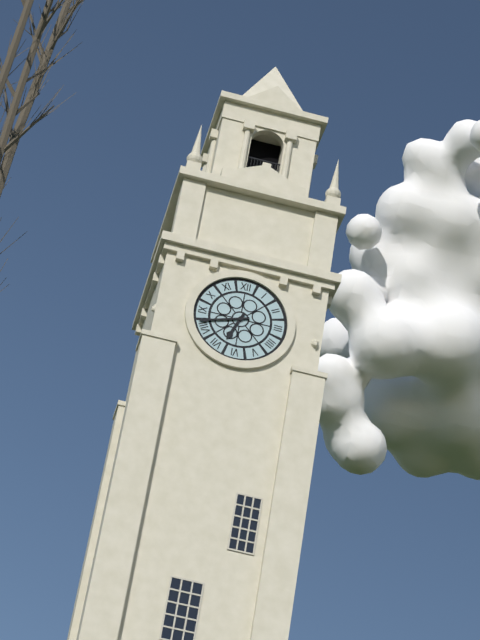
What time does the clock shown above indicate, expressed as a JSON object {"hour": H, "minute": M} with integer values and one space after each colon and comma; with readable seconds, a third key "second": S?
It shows {"hour": 6, "minute": 42}
